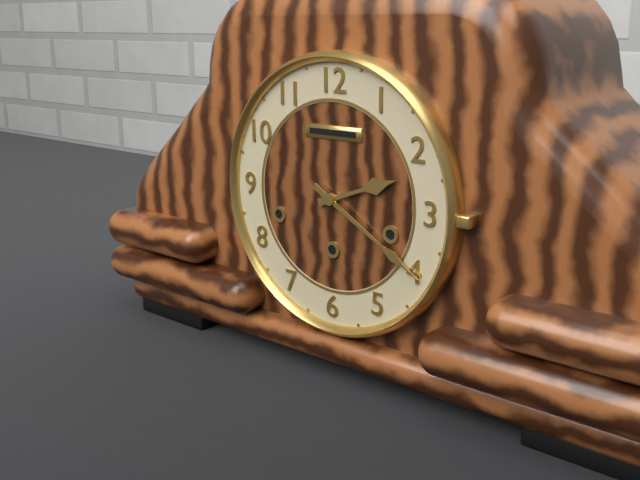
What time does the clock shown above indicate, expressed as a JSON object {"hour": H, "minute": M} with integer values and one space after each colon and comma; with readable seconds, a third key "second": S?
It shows {"hour": 2, "minute": 20}
